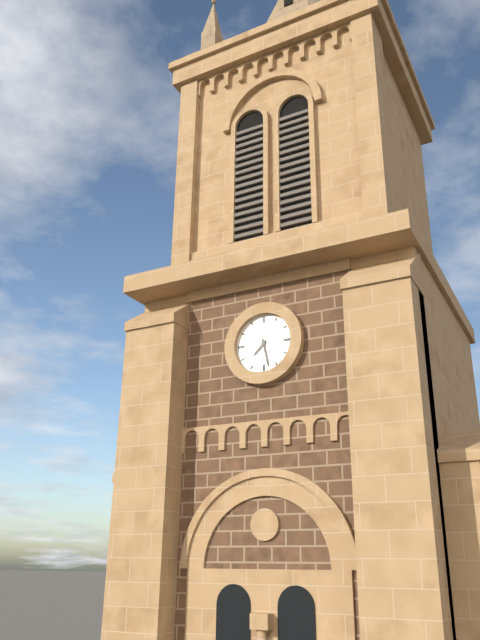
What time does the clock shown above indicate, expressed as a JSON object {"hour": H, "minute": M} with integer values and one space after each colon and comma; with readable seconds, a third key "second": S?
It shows {"hour": 7, "minute": 28}
